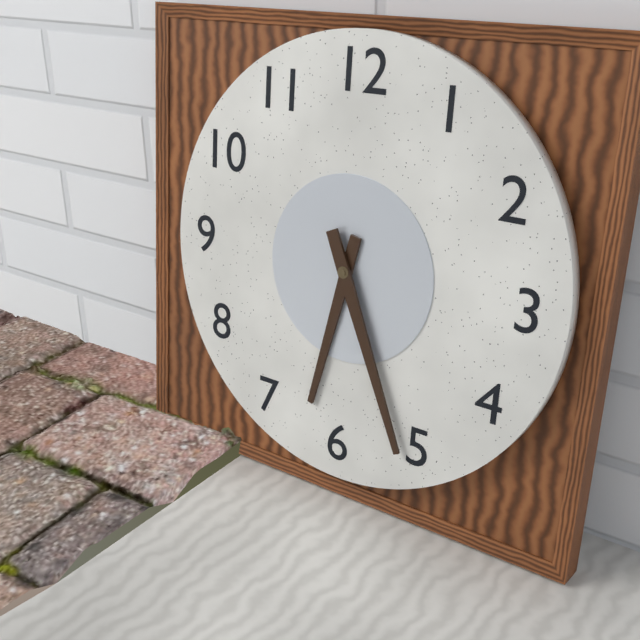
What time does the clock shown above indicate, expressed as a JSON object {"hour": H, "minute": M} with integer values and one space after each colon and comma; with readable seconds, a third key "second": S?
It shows {"hour": 6, "minute": 26}
